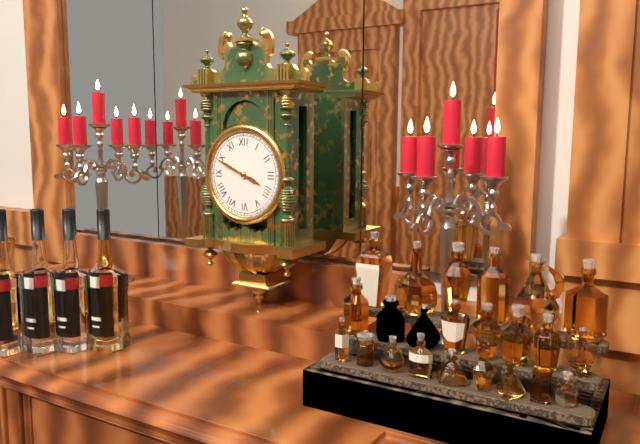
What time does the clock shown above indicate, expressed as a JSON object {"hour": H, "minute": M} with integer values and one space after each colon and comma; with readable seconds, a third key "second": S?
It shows {"hour": 3, "minute": 49}
